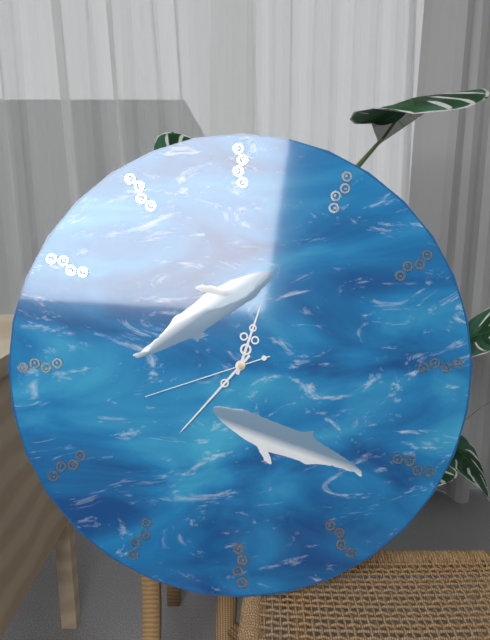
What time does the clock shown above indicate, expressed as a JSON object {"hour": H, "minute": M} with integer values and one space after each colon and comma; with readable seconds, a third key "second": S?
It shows {"hour": 12, "minute": 37, "second": 42}
